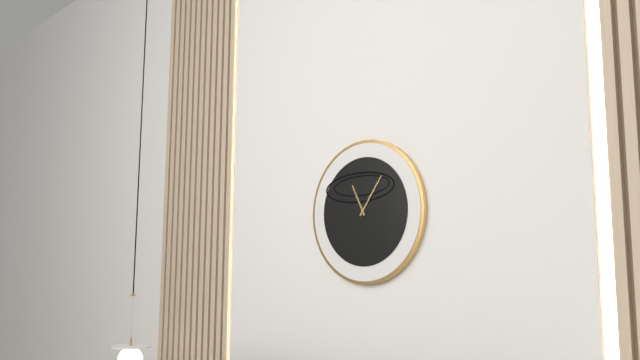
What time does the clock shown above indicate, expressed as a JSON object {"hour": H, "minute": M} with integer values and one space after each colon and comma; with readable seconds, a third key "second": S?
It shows {"hour": 11, "minute": 6}
